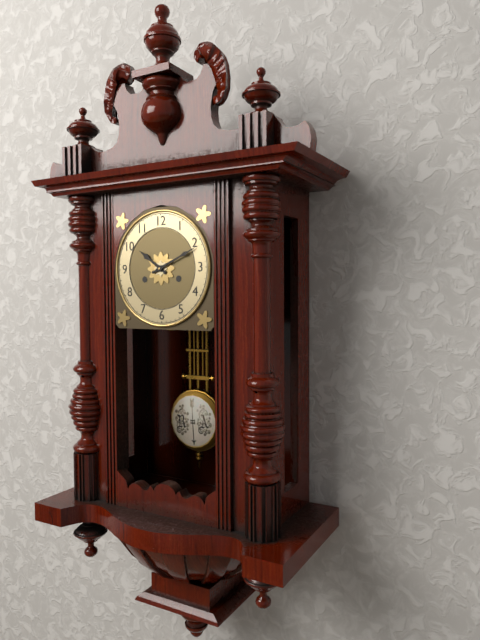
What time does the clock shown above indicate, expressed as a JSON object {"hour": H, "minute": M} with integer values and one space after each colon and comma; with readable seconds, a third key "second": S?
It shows {"hour": 10, "minute": 11}
